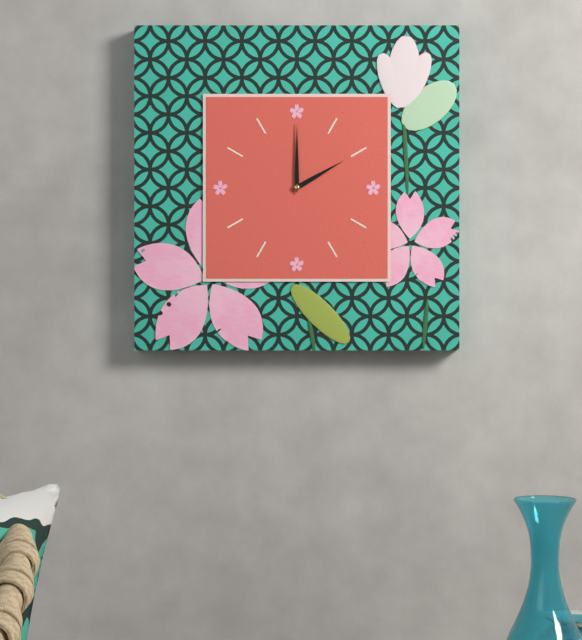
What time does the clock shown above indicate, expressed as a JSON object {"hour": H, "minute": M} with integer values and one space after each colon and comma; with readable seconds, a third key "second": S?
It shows {"hour": 2, "minute": 0}
